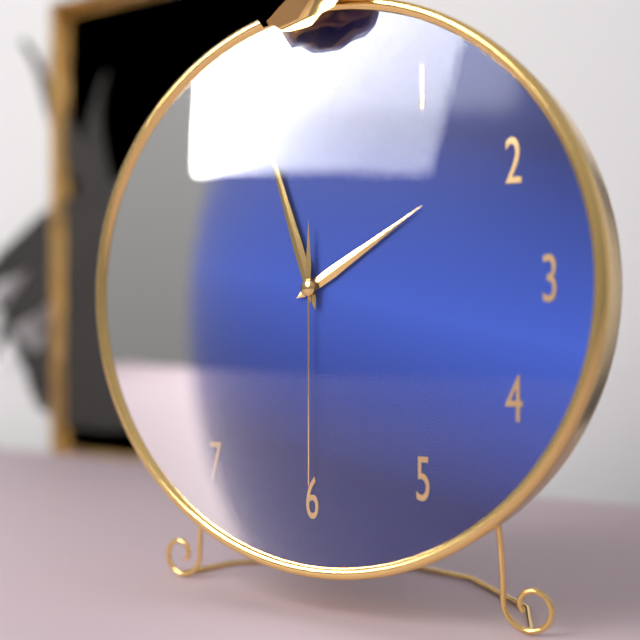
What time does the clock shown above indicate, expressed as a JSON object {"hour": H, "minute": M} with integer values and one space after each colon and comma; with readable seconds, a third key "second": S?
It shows {"hour": 1, "minute": 57, "second": 30}
